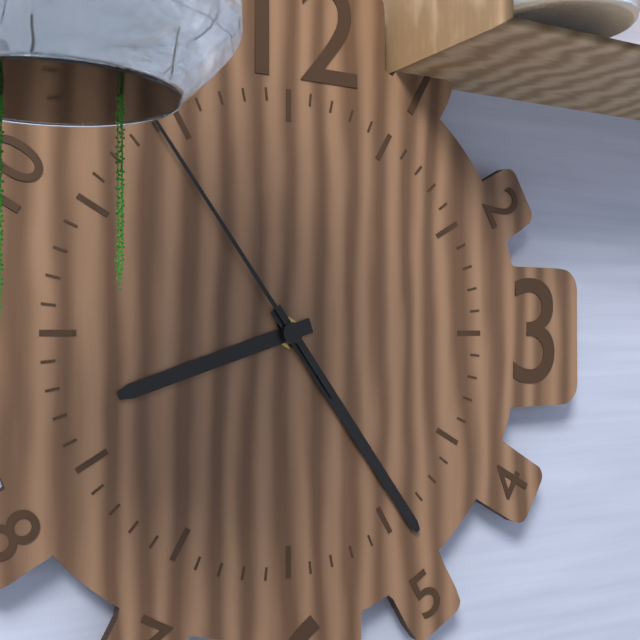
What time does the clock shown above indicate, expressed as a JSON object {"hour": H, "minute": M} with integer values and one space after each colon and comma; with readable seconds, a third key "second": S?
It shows {"hour": 8, "minute": 24, "second": 54}
